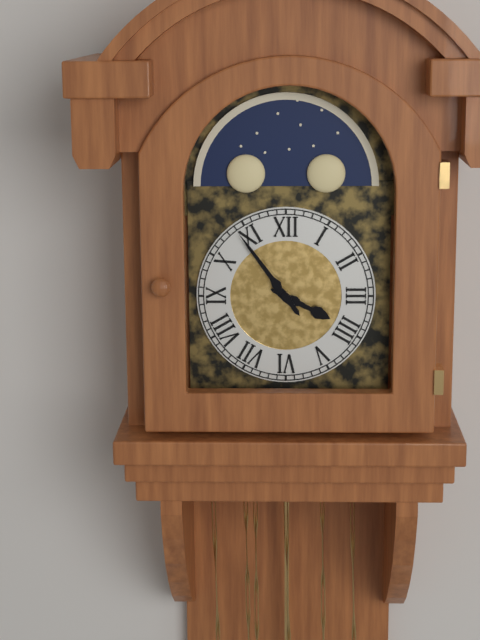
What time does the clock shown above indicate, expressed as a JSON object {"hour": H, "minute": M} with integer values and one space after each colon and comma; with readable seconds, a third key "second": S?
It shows {"hour": 3, "minute": 54}
